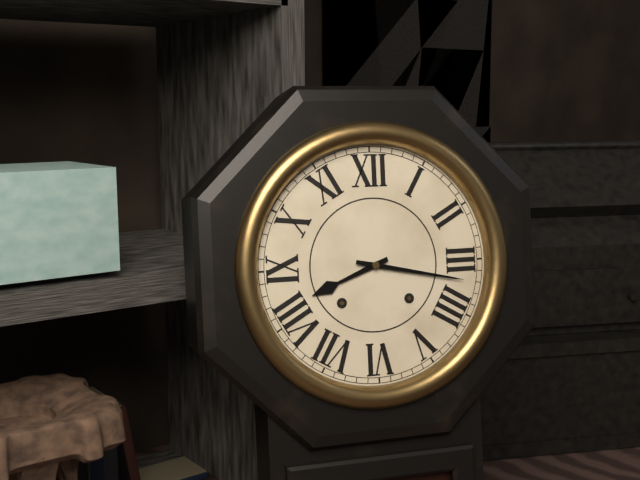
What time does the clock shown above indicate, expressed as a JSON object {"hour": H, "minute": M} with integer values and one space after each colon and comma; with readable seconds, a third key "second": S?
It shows {"hour": 8, "minute": 17}
